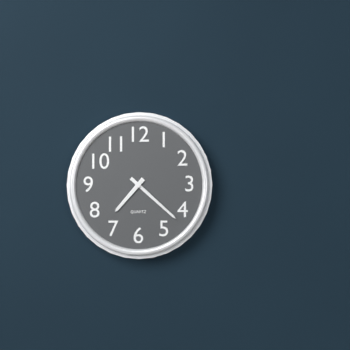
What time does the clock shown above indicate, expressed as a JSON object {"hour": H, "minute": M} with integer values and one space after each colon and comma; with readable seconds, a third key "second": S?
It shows {"hour": 7, "minute": 22}
